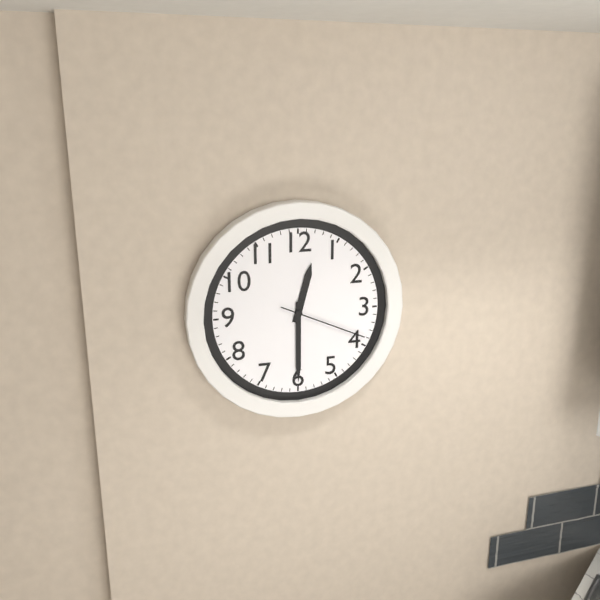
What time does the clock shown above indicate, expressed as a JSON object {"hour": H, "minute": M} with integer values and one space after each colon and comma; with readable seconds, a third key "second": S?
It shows {"hour": 12, "minute": 30, "second": 19}
